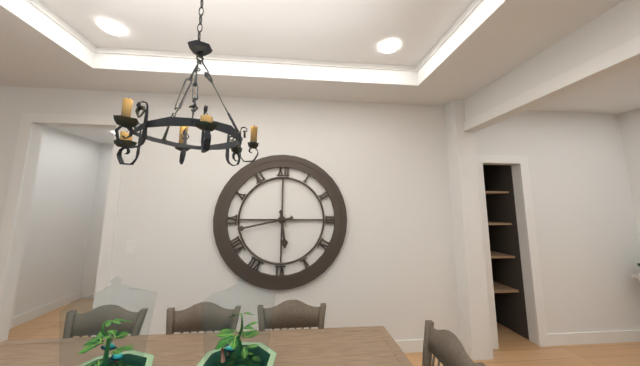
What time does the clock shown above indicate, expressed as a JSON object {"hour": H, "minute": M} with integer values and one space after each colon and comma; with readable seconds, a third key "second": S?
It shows {"hour": 5, "minute": 43}
